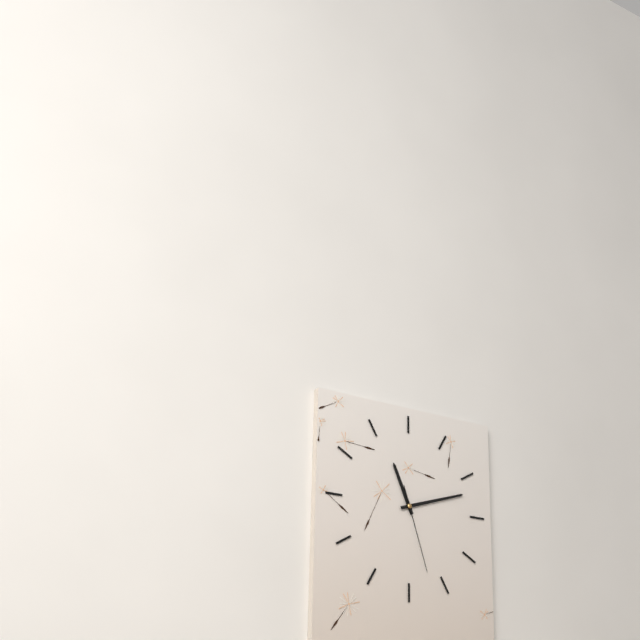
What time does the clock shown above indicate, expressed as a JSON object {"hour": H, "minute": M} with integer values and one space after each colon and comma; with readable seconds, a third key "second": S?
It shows {"hour": 11, "minute": 12, "second": 27}
